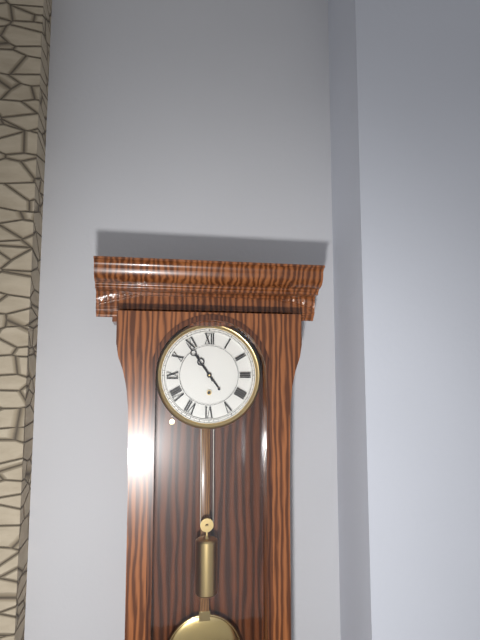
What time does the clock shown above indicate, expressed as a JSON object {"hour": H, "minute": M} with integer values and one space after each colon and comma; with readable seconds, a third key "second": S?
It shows {"hour": 10, "minute": 54}
